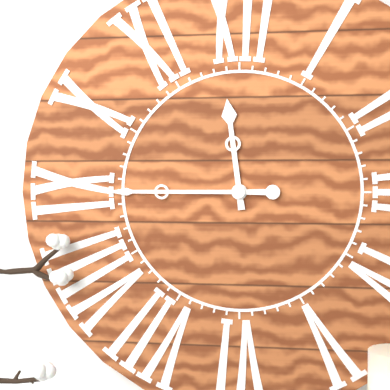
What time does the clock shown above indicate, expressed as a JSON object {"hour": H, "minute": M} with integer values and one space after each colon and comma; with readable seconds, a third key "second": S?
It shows {"hour": 11, "minute": 45}
